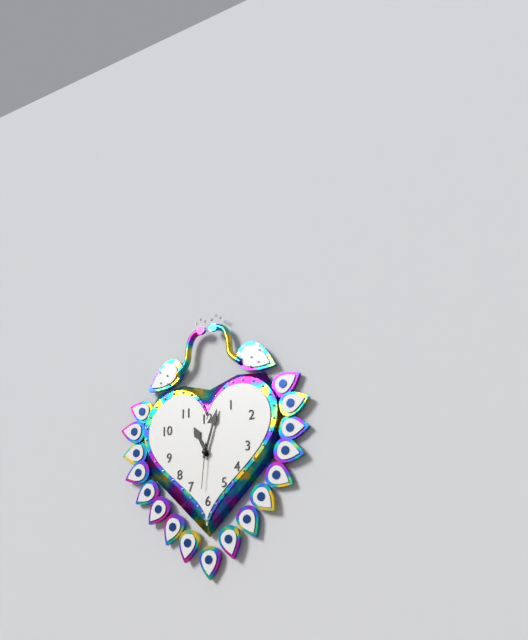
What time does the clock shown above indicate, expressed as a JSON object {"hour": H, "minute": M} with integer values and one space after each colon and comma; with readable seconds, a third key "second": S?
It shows {"hour": 11, "minute": 3}
